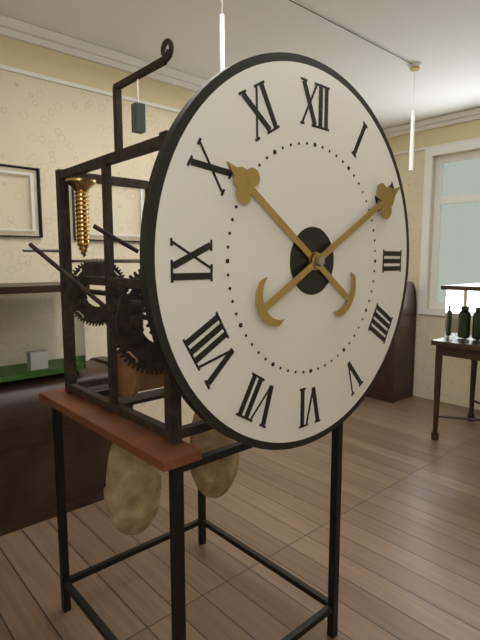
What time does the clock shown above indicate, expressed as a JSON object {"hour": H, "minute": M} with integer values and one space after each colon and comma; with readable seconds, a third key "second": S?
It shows {"hour": 10, "minute": 10}
